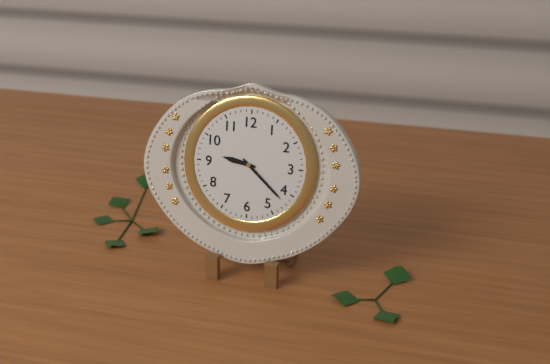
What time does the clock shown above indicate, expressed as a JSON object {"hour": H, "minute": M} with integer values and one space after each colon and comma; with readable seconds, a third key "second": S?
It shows {"hour": 9, "minute": 22}
